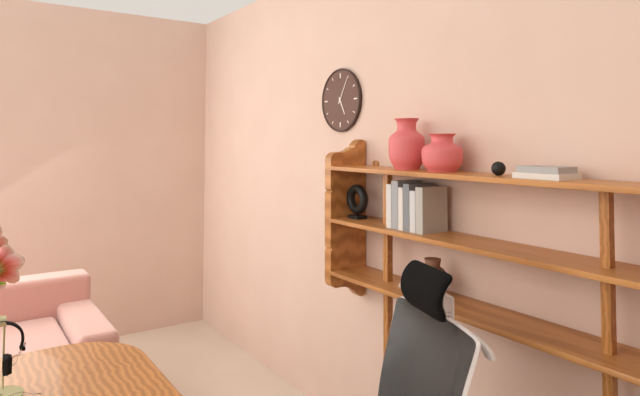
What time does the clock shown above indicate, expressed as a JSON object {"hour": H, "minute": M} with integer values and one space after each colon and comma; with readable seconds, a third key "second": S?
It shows {"hour": 5, "minute": 5}
